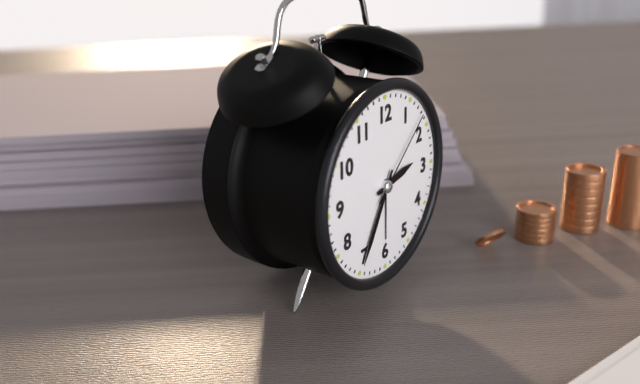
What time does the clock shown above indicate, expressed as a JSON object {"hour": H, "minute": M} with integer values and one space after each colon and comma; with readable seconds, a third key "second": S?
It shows {"hour": 2, "minute": 35, "second": 8}
